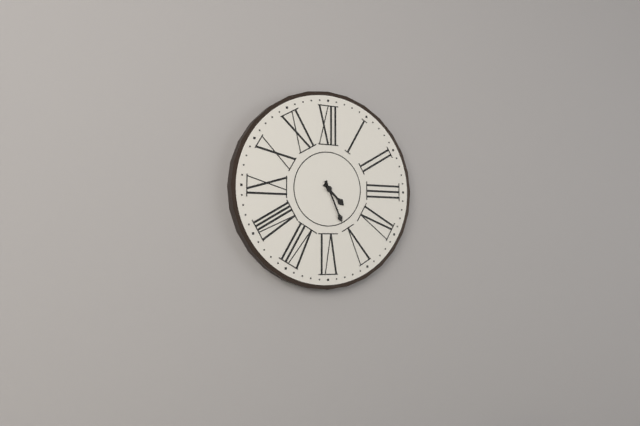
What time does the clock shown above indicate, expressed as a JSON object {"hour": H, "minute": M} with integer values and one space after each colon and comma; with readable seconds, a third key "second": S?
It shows {"hour": 4, "minute": 26}
